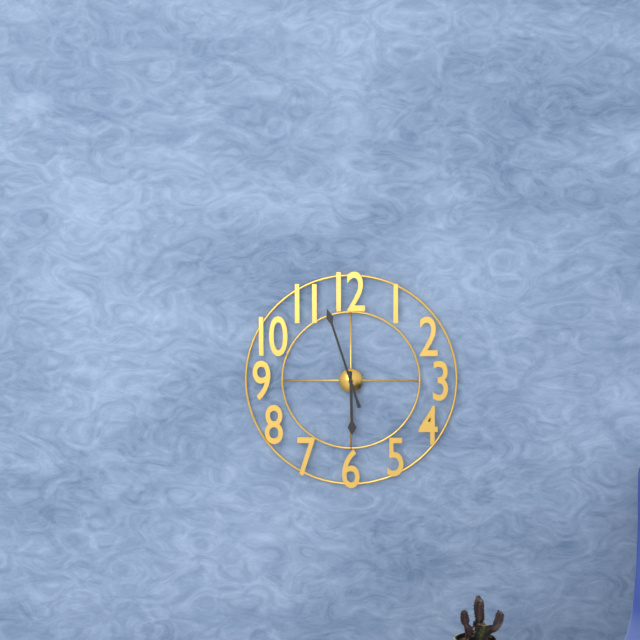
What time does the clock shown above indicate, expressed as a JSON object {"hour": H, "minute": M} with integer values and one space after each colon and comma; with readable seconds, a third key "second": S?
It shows {"hour": 5, "minute": 57}
